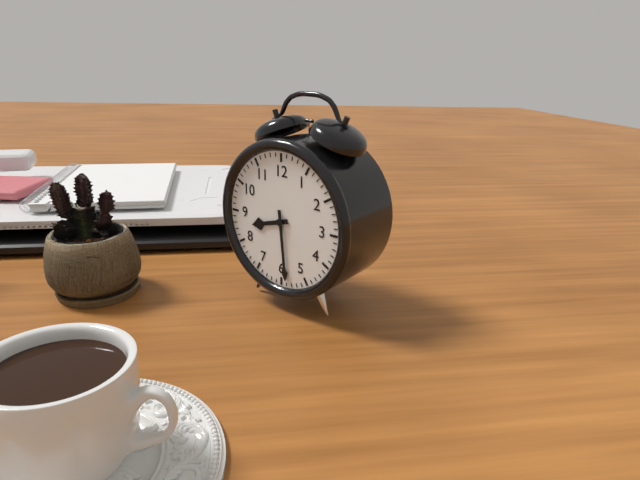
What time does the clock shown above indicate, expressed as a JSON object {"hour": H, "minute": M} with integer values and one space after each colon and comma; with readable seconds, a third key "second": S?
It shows {"hour": 8, "minute": 29}
